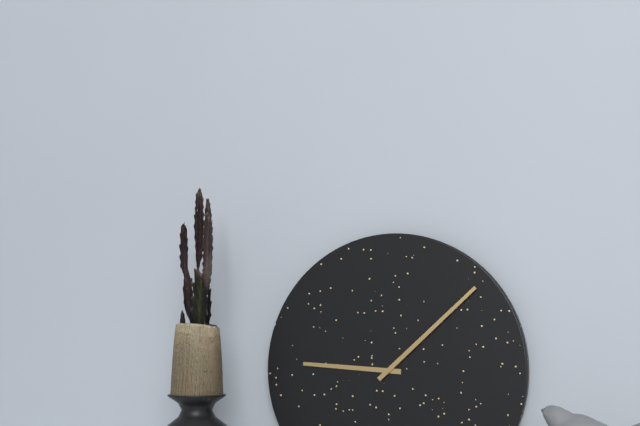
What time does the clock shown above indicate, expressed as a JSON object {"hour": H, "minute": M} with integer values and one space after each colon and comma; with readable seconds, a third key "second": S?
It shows {"hour": 9, "minute": 8}
